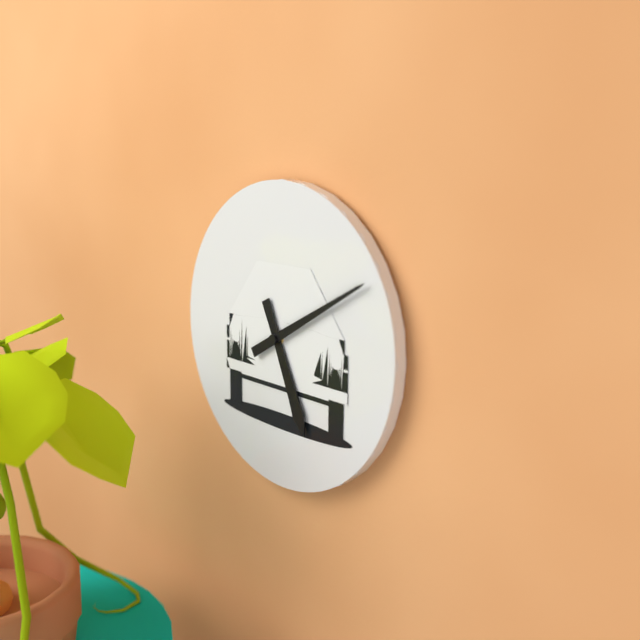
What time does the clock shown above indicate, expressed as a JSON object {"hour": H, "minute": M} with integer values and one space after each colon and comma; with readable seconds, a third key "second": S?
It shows {"hour": 5, "minute": 10}
